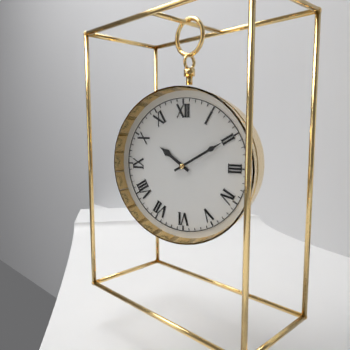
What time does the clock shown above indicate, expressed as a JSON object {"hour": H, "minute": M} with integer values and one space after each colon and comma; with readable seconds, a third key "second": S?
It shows {"hour": 10, "minute": 10}
